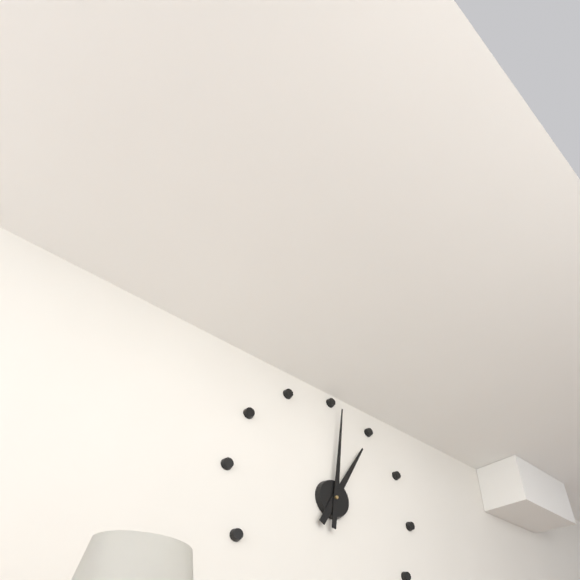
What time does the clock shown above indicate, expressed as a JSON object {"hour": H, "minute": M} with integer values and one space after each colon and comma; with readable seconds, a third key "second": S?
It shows {"hour": 1, "minute": 1}
